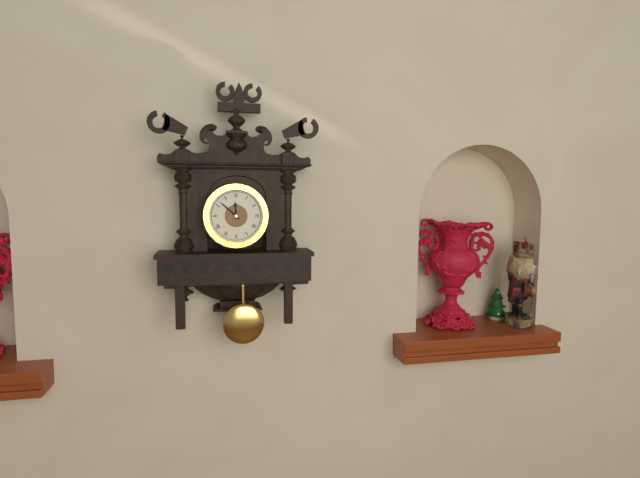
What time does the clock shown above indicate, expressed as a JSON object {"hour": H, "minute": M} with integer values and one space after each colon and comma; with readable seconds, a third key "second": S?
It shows {"hour": 11, "minute": 52}
